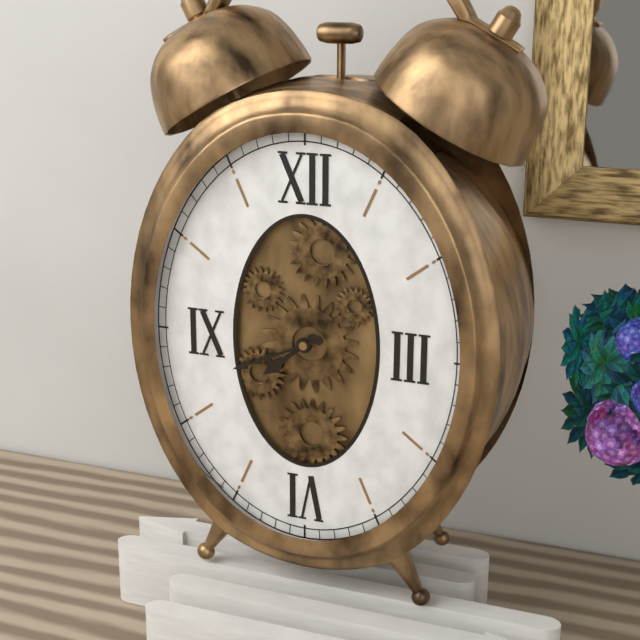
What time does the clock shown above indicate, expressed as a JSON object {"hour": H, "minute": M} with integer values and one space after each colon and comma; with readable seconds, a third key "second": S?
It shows {"hour": 7, "minute": 41}
